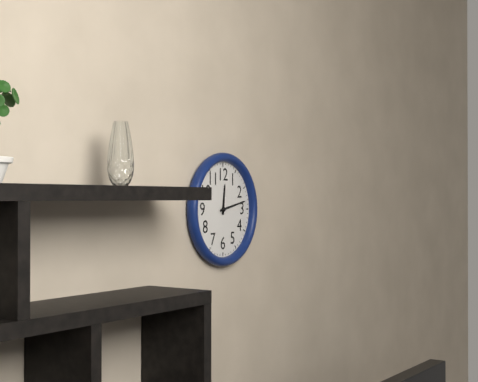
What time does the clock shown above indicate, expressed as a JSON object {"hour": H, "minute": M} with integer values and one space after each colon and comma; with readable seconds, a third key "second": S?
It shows {"hour": 12, "minute": 13}
